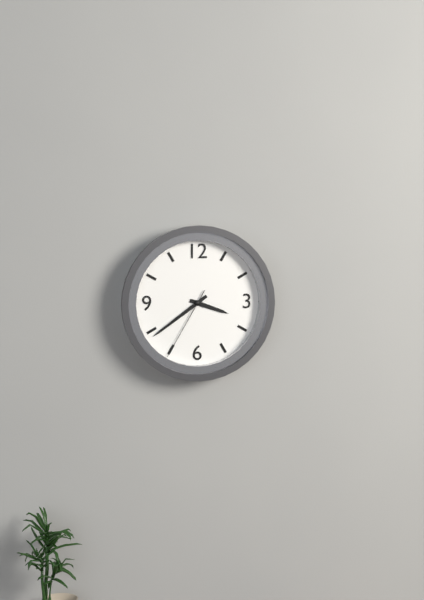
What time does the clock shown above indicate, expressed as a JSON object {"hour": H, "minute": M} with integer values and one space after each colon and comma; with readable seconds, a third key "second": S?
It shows {"hour": 3, "minute": 39, "second": 35}
